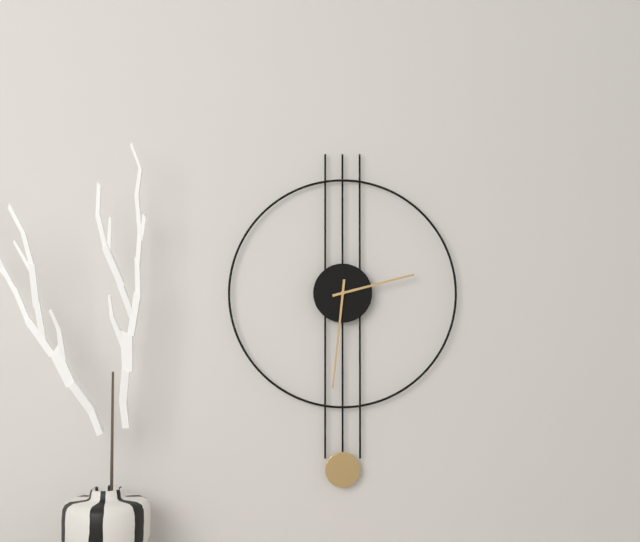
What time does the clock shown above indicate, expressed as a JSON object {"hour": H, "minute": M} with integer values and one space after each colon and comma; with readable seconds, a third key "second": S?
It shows {"hour": 2, "minute": 31}
